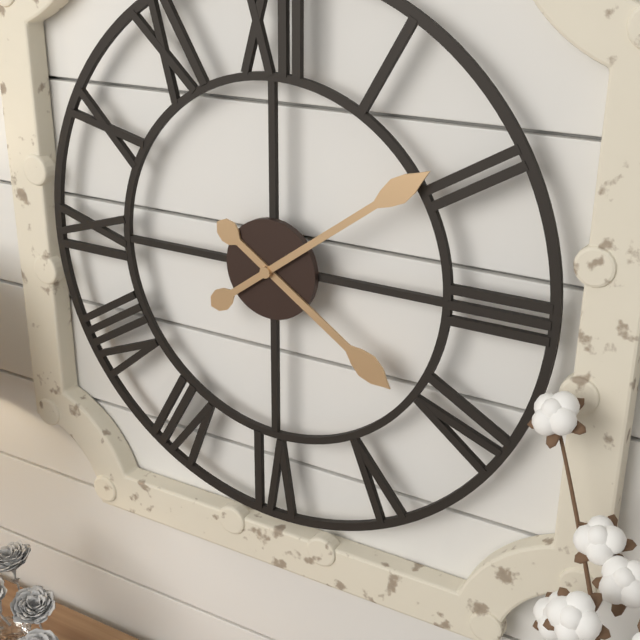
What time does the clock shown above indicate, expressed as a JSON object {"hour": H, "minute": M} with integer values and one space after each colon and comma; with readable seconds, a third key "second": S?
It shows {"hour": 4, "minute": 9}
